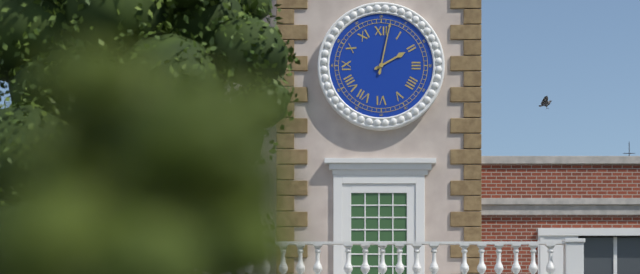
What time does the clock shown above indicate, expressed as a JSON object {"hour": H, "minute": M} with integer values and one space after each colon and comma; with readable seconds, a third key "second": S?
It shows {"hour": 2, "minute": 2}
